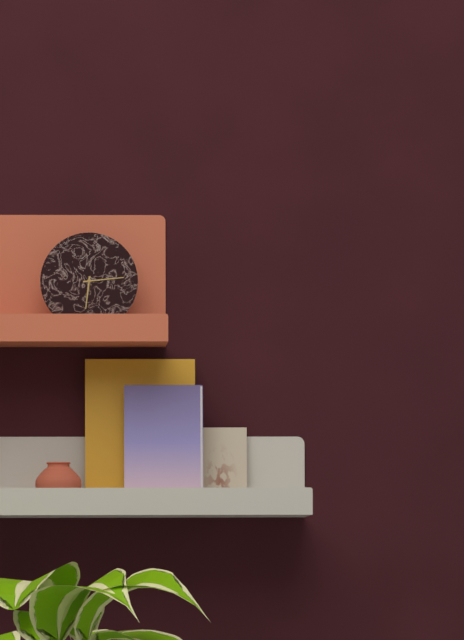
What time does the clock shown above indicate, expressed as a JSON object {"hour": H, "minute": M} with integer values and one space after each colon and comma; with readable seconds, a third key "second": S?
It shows {"hour": 6, "minute": 14}
